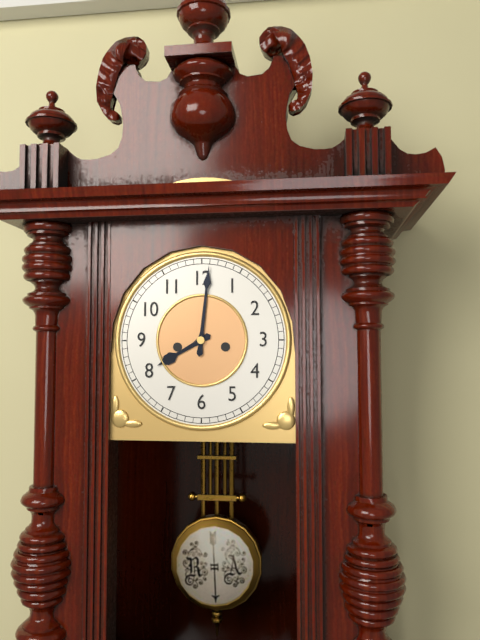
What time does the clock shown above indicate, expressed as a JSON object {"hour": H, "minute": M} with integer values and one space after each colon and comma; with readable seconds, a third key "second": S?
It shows {"hour": 8, "minute": 1}
